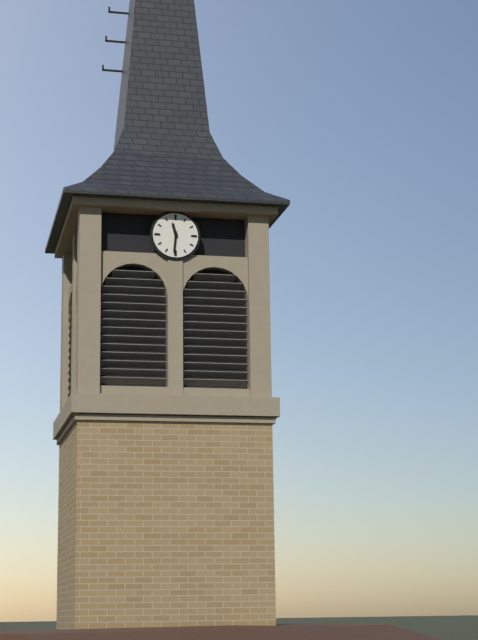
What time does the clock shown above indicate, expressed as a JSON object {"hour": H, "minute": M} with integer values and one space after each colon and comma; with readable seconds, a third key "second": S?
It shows {"hour": 11, "minute": 31}
